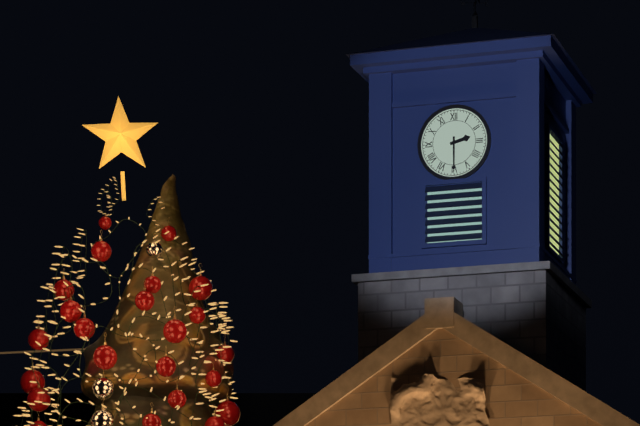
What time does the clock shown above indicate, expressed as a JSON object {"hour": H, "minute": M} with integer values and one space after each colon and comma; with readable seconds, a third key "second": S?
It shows {"hour": 2, "minute": 30}
